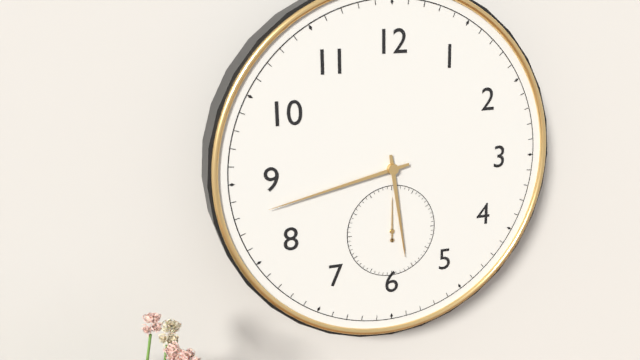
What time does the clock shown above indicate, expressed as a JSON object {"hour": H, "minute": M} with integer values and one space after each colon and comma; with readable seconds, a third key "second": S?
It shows {"hour": 5, "minute": 43}
